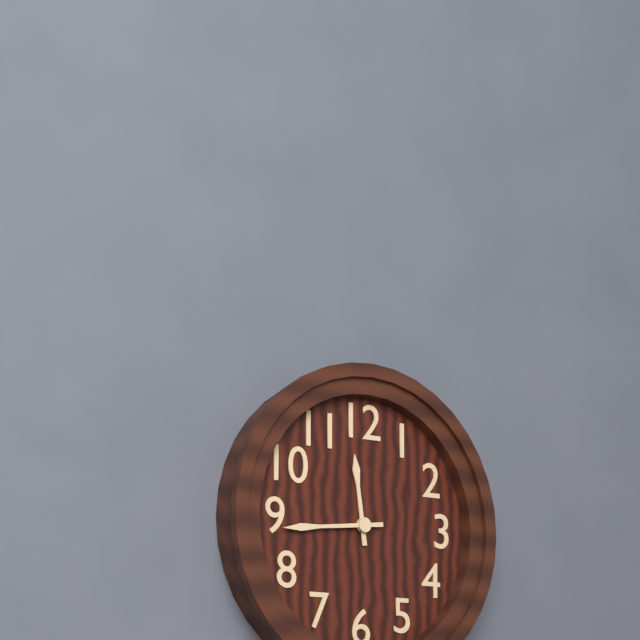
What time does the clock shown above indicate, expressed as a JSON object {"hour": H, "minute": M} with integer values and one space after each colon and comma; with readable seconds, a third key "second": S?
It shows {"hour": 11, "minute": 44}
